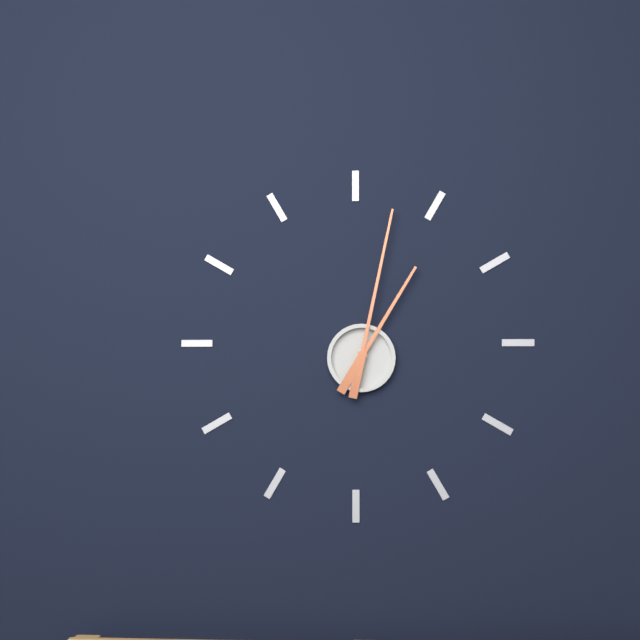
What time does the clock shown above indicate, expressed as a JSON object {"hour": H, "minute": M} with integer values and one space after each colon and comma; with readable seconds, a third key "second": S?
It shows {"hour": 1, "minute": 2}
